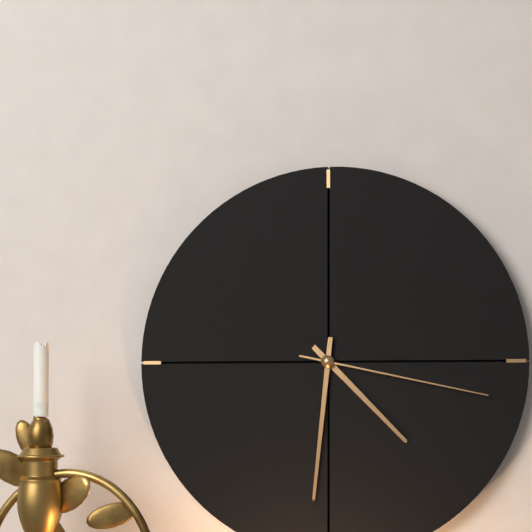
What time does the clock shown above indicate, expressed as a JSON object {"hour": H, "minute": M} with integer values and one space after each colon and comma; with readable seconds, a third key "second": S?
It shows {"hour": 4, "minute": 31, "second": 17}
